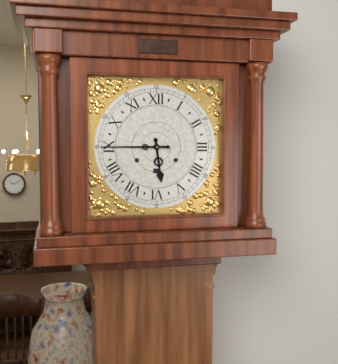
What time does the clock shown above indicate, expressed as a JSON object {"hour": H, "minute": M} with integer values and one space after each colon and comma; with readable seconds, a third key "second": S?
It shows {"hour": 5, "minute": 45}
